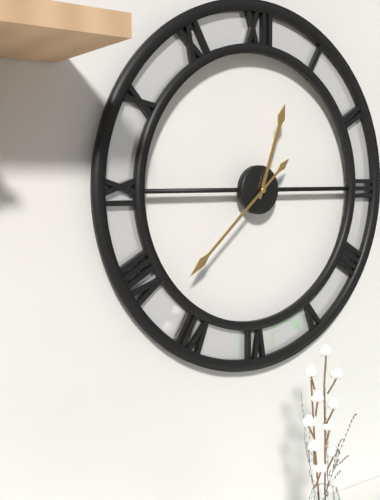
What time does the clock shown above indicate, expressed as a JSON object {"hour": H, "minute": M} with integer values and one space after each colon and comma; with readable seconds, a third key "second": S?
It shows {"hour": 12, "minute": 38}
